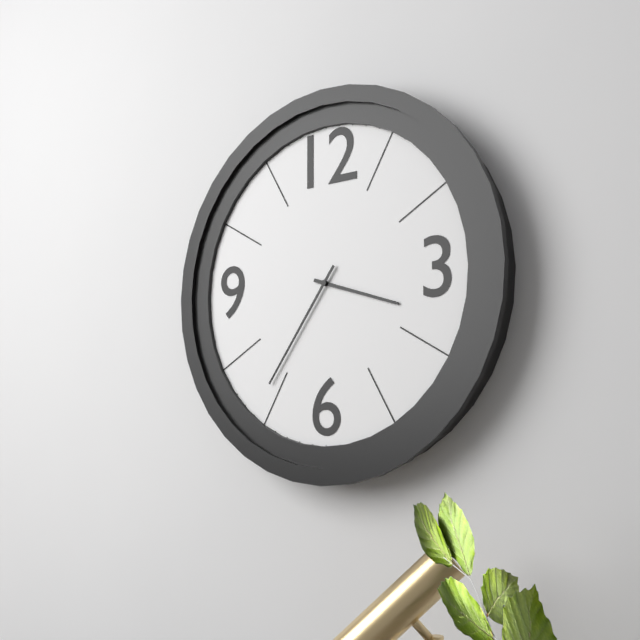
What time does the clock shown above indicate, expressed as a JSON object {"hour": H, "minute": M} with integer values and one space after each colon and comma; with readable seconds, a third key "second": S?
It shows {"hour": 3, "minute": 36}
